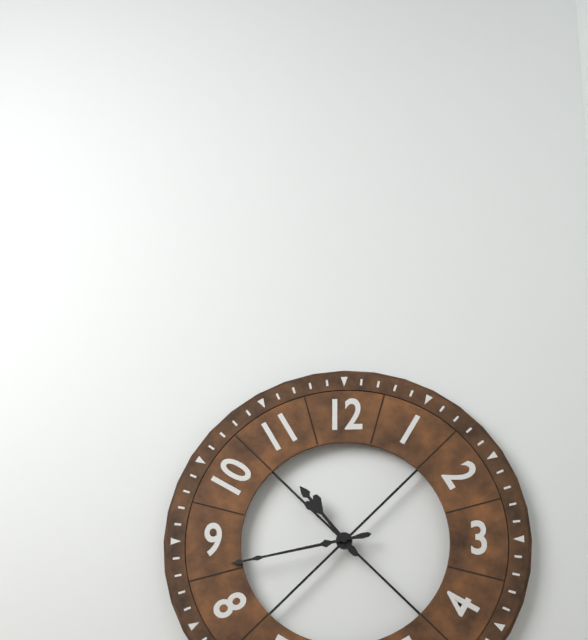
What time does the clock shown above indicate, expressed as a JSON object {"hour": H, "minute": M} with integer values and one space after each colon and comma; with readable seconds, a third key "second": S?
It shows {"hour": 10, "minute": 43}
